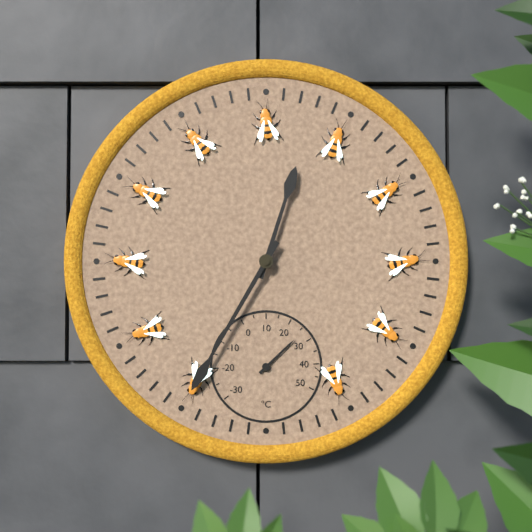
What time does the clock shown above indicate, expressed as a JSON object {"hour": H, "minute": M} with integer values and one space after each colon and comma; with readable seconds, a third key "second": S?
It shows {"hour": 12, "minute": 35}
